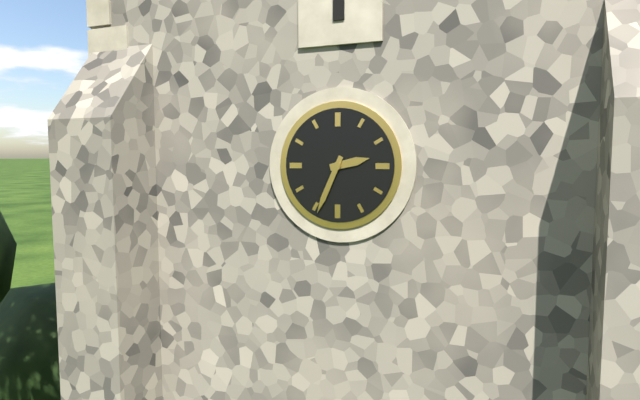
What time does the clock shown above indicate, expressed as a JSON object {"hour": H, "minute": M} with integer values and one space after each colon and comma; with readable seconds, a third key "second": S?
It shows {"hour": 2, "minute": 34}
